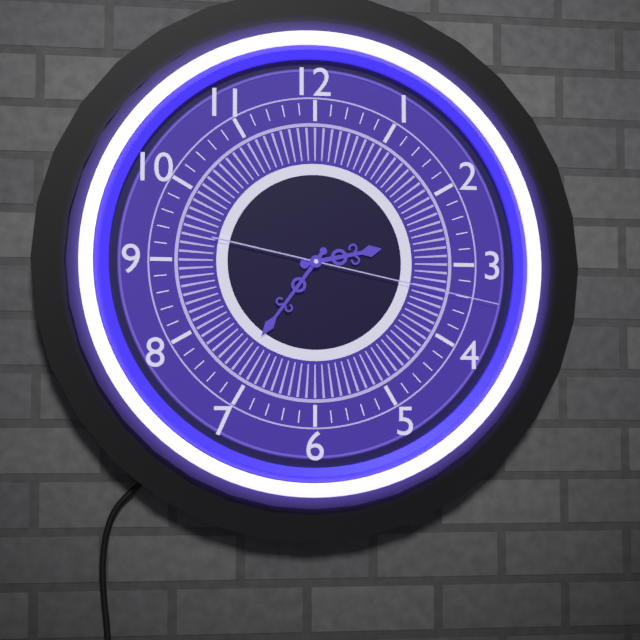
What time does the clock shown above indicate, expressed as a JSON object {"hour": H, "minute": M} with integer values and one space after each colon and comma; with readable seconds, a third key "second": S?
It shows {"hour": 2, "minute": 36, "second": 17}
